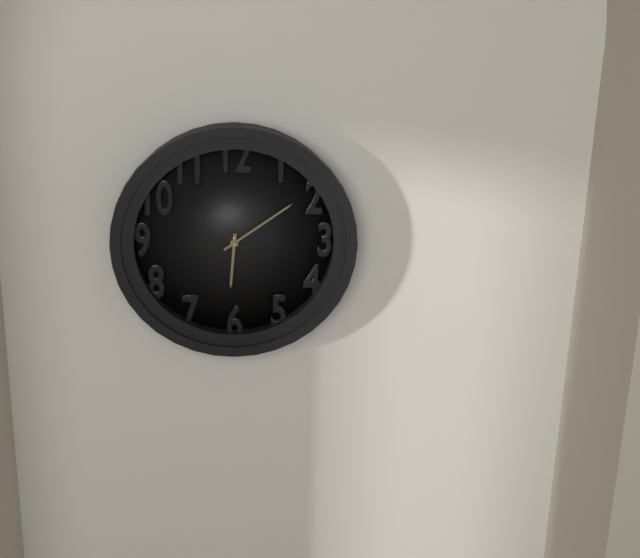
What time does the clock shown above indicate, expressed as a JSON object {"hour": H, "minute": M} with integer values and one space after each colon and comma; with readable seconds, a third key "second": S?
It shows {"hour": 6, "minute": 9}
